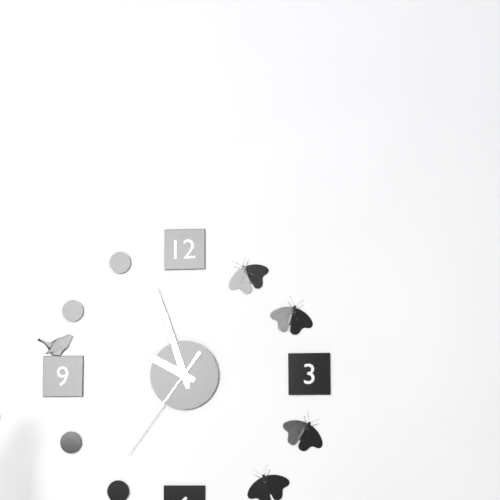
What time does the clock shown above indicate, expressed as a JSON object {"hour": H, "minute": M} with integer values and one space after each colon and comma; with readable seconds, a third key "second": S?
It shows {"hour": 9, "minute": 57, "second": 36}
